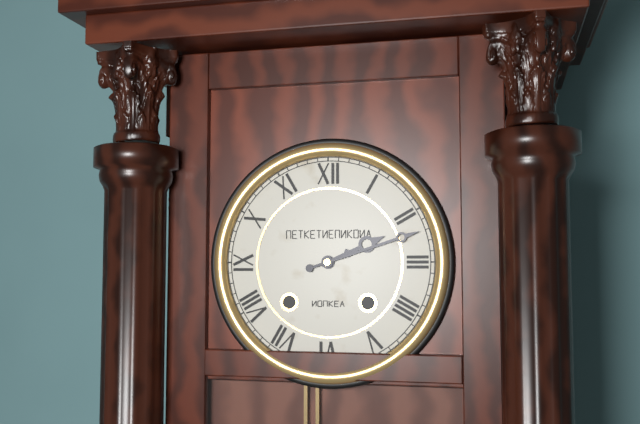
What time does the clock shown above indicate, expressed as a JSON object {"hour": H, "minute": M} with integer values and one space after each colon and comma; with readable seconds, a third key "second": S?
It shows {"hour": 2, "minute": 12}
